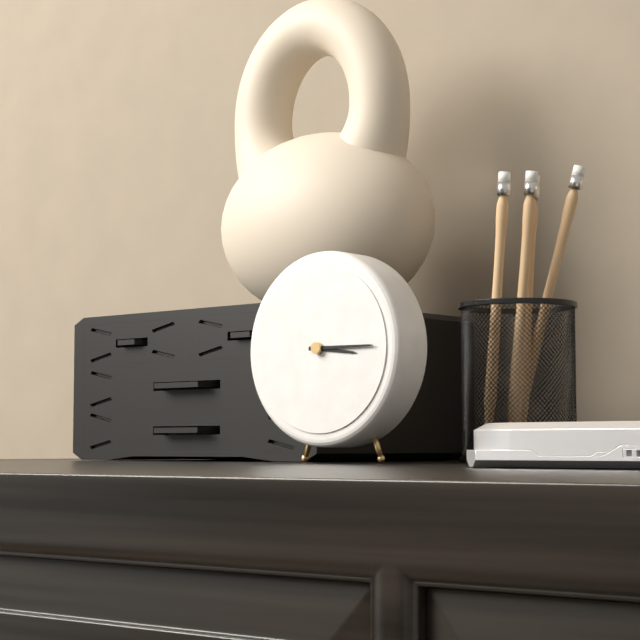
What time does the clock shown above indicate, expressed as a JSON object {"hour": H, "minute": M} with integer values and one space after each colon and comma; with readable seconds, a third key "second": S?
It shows {"hour": 3, "minute": 15}
